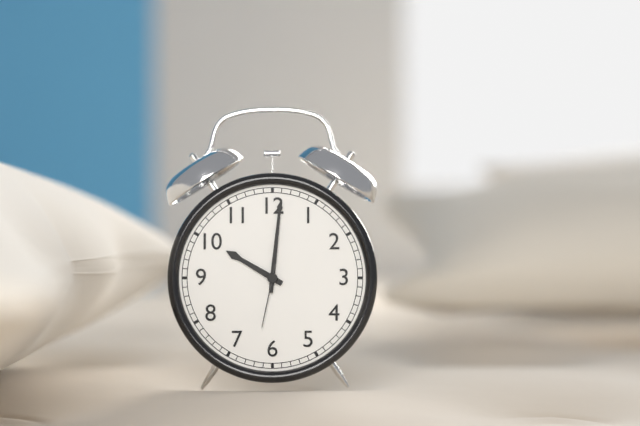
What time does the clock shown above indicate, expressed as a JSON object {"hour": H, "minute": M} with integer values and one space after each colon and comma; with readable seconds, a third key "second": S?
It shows {"hour": 10, "minute": 1, "second": 32}
